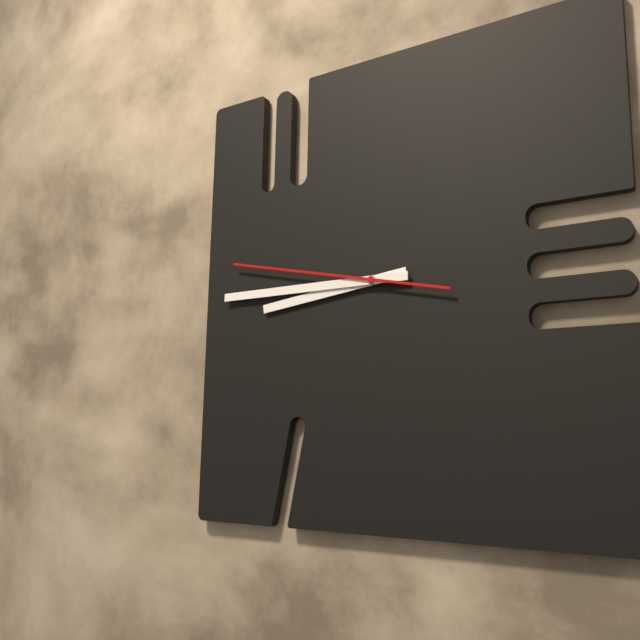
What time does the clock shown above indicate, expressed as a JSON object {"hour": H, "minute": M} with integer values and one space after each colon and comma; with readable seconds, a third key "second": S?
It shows {"hour": 8, "minute": 45, "second": 47}
